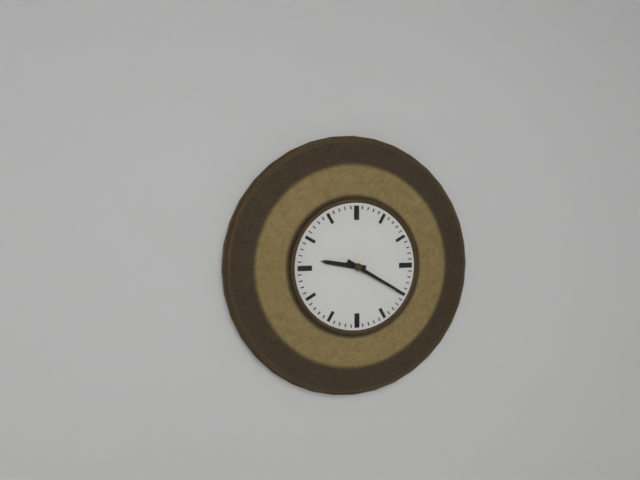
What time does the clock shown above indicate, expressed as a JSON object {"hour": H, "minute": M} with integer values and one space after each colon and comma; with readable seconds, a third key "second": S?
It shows {"hour": 9, "minute": 20}
